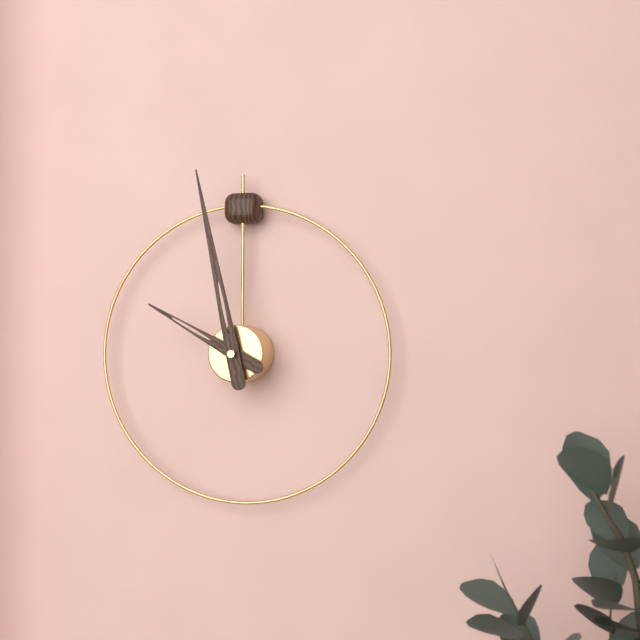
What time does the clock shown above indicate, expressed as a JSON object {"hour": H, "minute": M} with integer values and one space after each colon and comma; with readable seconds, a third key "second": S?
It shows {"hour": 9, "minute": 58}
